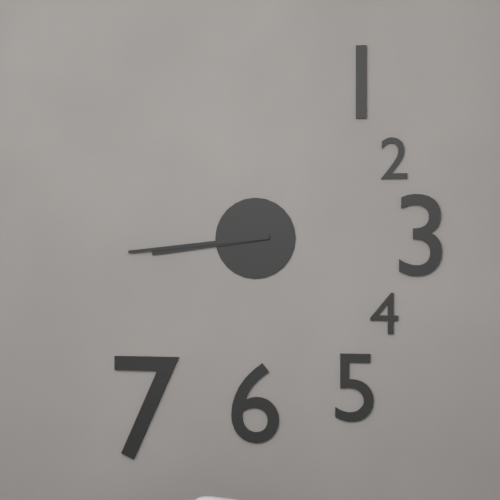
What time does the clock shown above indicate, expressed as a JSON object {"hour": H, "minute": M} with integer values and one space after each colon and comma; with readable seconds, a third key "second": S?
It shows {"hour": 8, "minute": 44}
